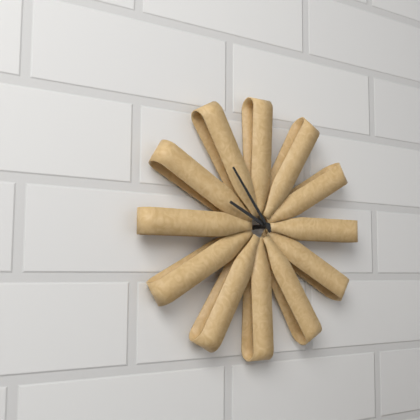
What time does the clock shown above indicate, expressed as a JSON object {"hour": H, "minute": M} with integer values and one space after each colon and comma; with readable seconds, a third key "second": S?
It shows {"hour": 9, "minute": 54}
